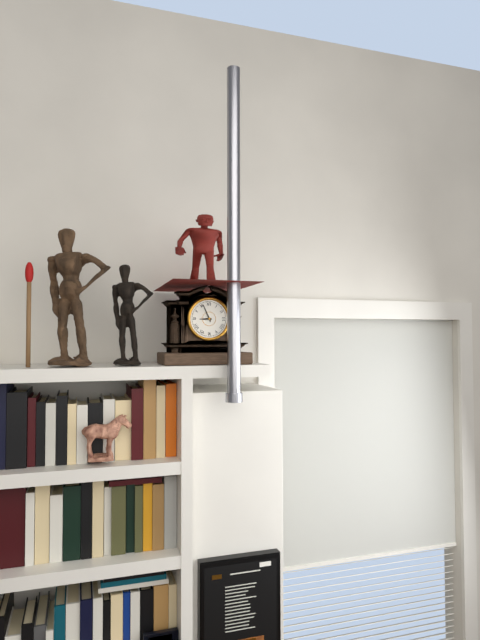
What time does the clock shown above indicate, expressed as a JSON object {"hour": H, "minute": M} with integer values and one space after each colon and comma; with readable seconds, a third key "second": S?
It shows {"hour": 8, "minute": 56}
